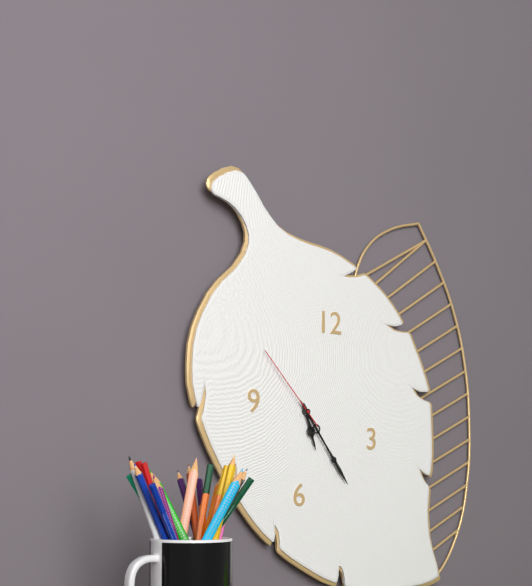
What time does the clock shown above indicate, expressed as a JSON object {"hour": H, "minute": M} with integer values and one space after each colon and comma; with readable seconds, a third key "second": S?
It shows {"hour": 5, "minute": 24, "second": 53}
